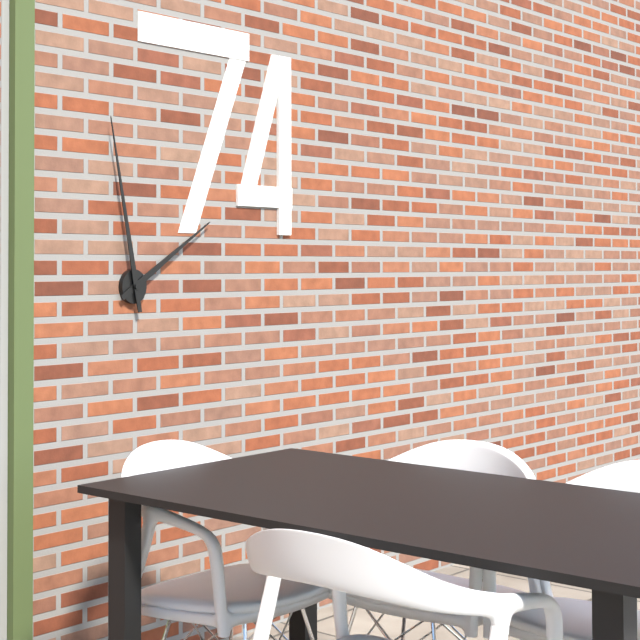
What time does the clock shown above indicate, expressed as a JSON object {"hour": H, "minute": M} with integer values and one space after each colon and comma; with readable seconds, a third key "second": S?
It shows {"hour": 1, "minute": 58}
